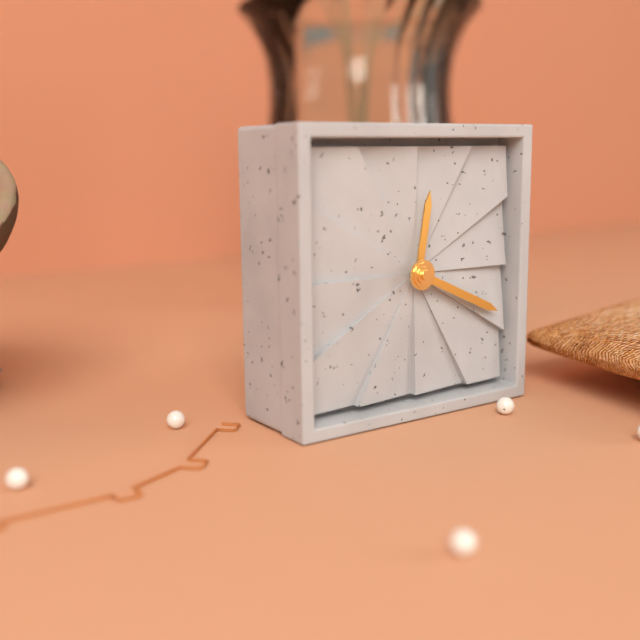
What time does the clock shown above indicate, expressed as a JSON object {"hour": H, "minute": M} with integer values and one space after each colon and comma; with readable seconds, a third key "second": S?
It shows {"hour": 12, "minute": 19}
